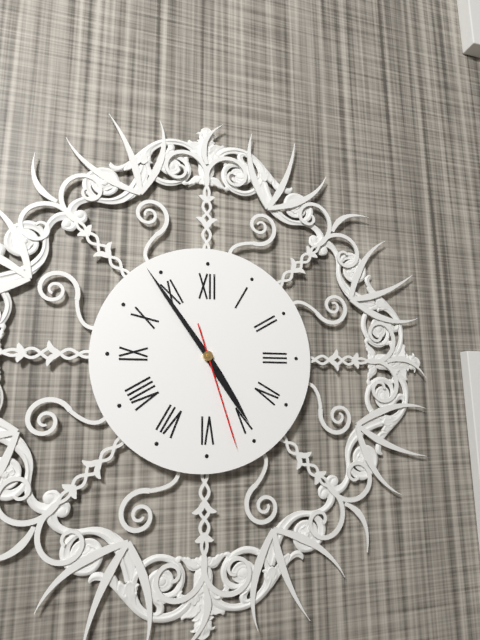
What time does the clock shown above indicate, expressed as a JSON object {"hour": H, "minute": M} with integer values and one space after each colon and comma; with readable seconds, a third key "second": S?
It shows {"hour": 4, "minute": 54, "second": 27}
